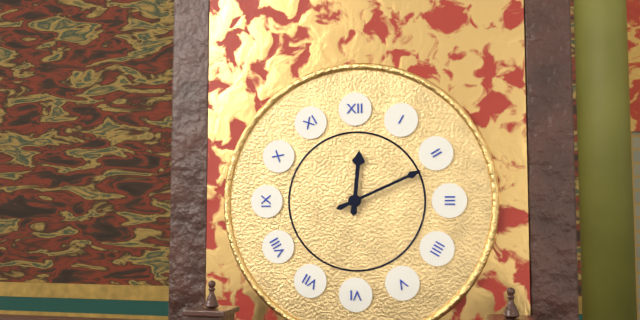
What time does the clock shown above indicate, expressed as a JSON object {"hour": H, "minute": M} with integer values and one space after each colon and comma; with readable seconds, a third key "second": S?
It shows {"hour": 12, "minute": 11}
